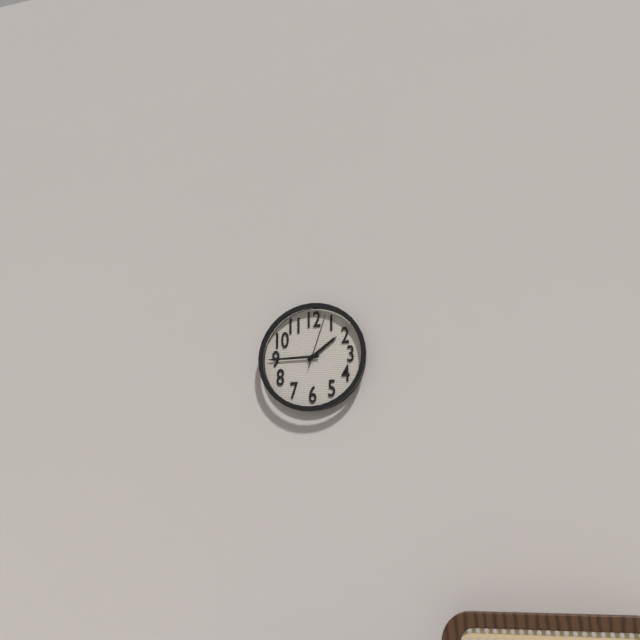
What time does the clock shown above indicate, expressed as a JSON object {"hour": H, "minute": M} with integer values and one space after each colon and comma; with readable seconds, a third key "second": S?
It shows {"hour": 1, "minute": 45, "second": 3}
